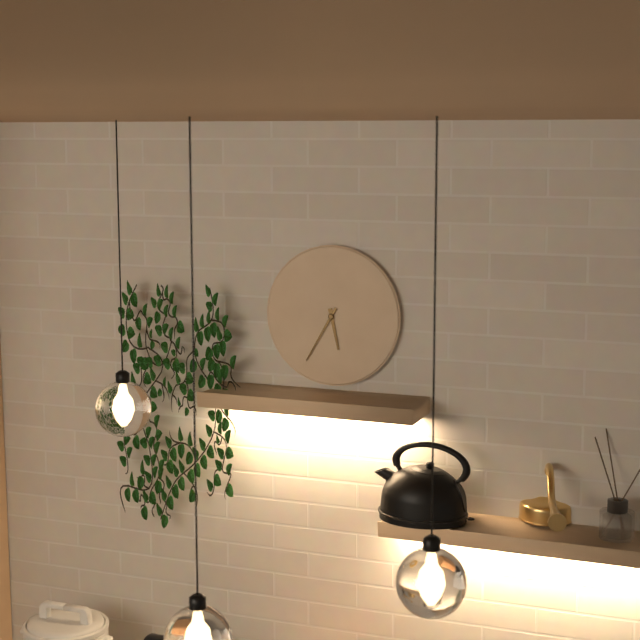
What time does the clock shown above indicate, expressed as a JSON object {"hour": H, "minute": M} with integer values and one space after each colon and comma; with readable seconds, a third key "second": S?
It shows {"hour": 5, "minute": 35}
